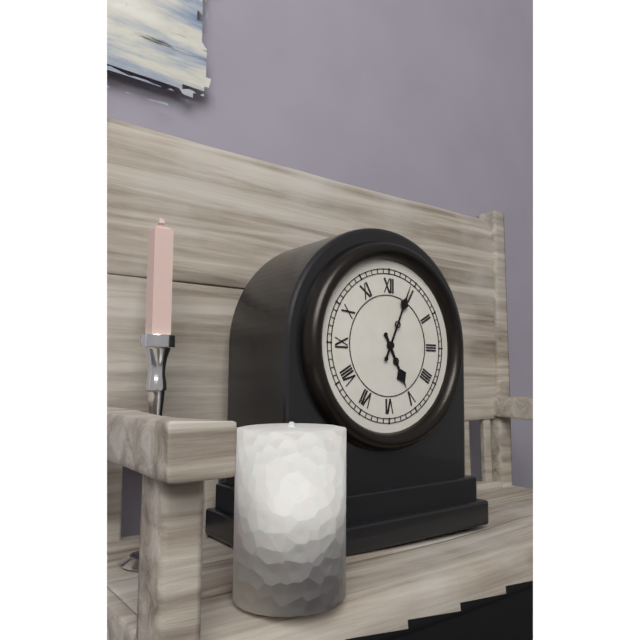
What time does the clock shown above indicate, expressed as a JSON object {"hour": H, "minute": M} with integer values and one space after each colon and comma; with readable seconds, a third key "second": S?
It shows {"hour": 5, "minute": 4}
